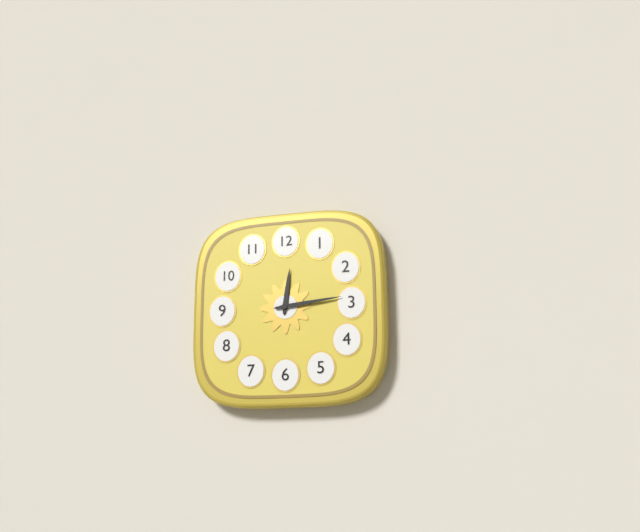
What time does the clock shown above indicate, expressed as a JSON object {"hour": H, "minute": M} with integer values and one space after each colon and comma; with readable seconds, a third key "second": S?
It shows {"hour": 12, "minute": 14}
